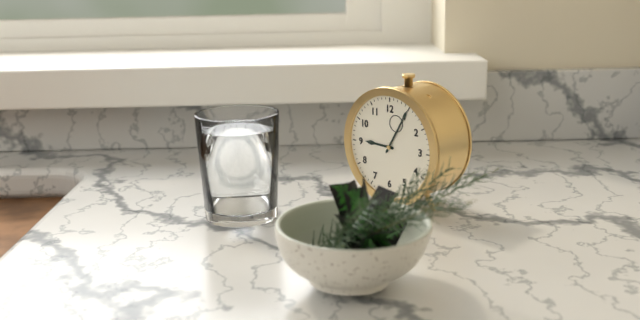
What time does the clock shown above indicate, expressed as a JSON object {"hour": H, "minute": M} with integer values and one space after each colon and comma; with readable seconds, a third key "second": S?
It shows {"hour": 9, "minute": 5}
